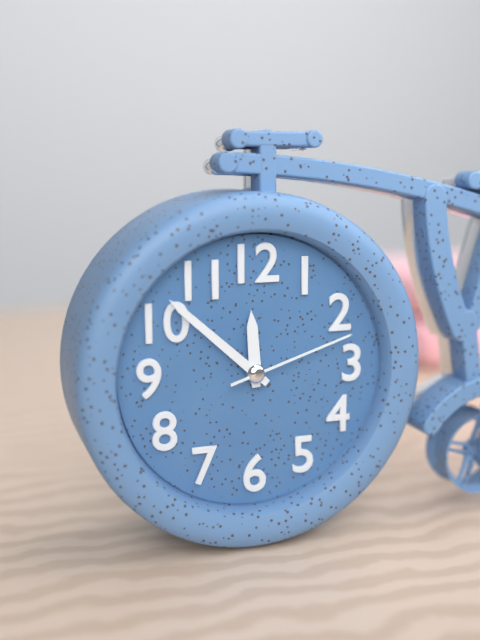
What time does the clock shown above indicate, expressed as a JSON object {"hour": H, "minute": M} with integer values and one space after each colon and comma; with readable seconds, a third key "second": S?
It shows {"hour": 11, "minute": 52, "second": 12}
